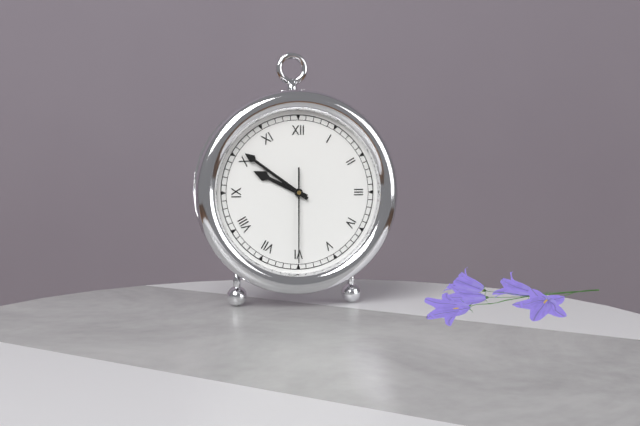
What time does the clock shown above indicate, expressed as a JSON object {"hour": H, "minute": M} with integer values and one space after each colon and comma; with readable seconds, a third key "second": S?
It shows {"hour": 9, "minute": 51, "second": 30}
